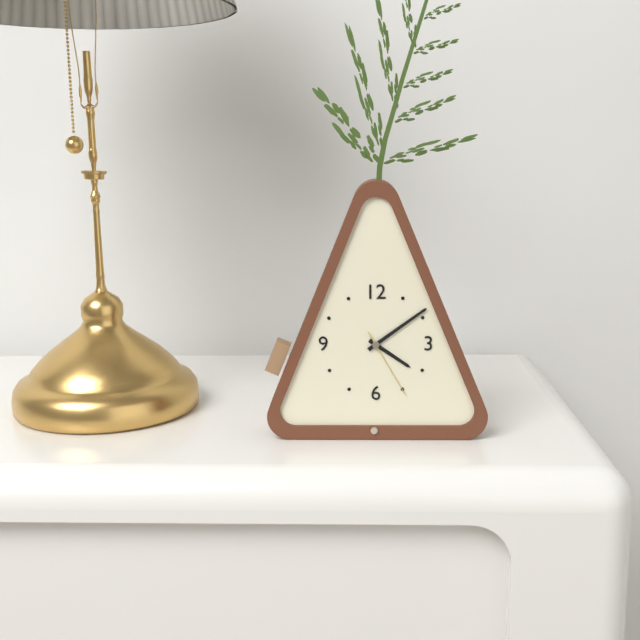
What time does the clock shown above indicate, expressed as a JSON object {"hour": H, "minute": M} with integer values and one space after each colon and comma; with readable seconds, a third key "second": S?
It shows {"hour": 4, "minute": 9, "second": 25}
